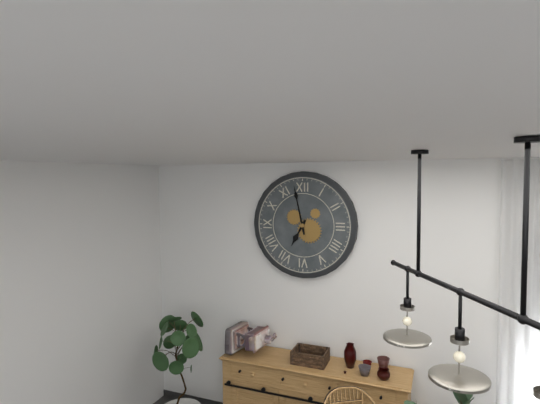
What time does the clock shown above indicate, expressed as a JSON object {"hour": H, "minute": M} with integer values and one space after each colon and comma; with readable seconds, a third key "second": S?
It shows {"hour": 6, "minute": 58}
